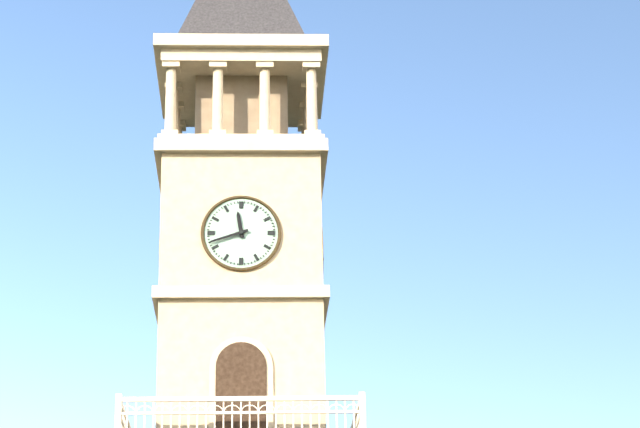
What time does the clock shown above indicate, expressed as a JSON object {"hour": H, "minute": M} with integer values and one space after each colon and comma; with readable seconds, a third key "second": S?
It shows {"hour": 11, "minute": 42}
